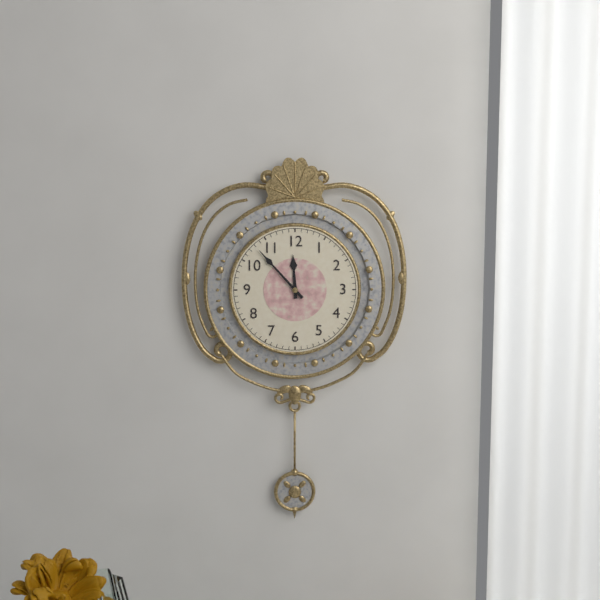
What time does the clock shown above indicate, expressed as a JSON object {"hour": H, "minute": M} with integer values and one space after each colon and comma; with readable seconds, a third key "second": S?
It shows {"hour": 11, "minute": 53}
